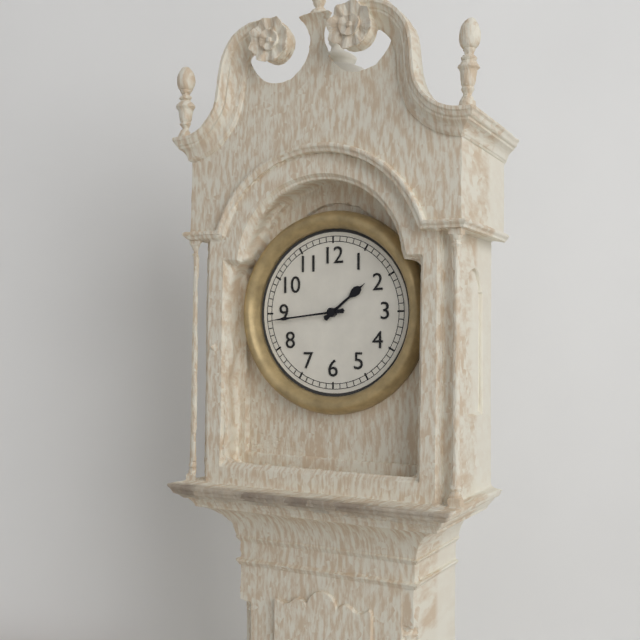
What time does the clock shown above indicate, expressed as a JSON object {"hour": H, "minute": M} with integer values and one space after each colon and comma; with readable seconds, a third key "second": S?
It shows {"hour": 1, "minute": 44}
